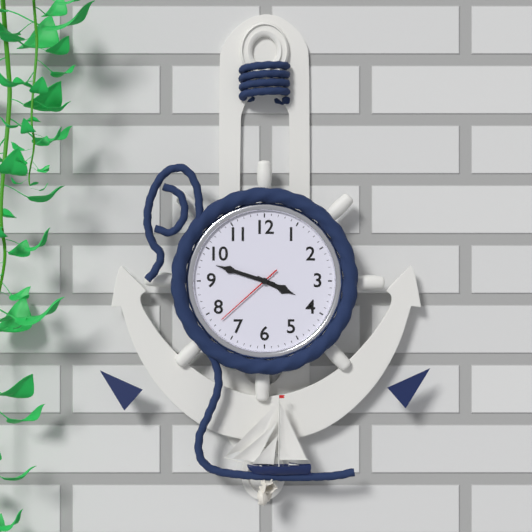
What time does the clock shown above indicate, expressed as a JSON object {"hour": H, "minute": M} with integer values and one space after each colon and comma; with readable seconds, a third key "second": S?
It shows {"hour": 3, "minute": 48, "second": 38}
